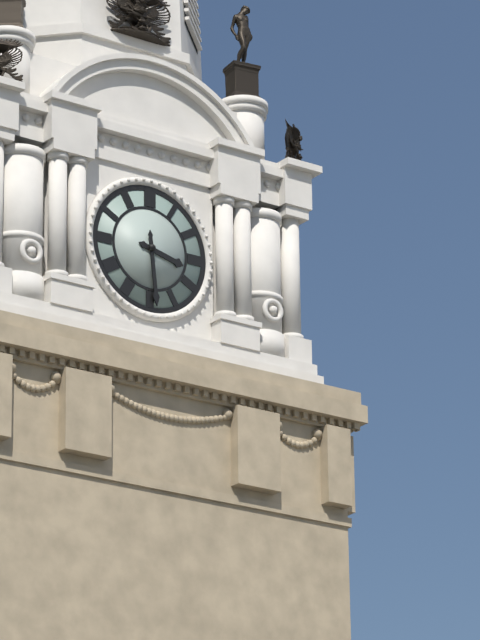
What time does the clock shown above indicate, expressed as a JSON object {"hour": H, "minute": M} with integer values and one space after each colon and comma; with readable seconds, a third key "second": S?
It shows {"hour": 3, "minute": 29}
